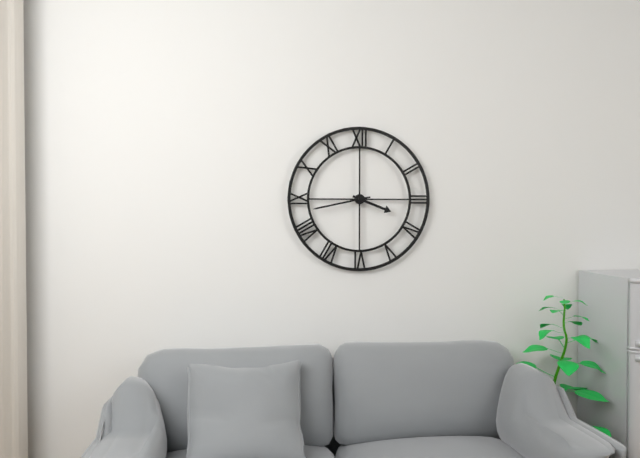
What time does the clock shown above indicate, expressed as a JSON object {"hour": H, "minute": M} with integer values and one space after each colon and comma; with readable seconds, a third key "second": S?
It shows {"hour": 3, "minute": 43}
